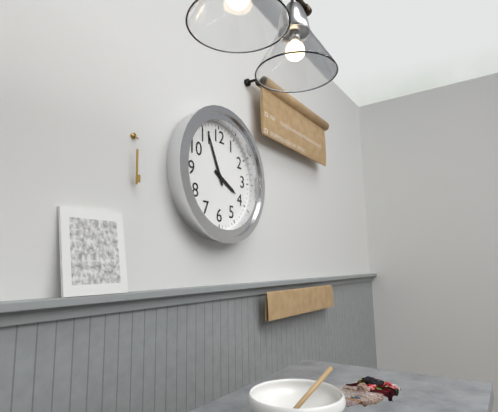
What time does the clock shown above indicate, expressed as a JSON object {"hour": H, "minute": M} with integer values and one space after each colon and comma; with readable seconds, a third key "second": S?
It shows {"hour": 3, "minute": 56}
